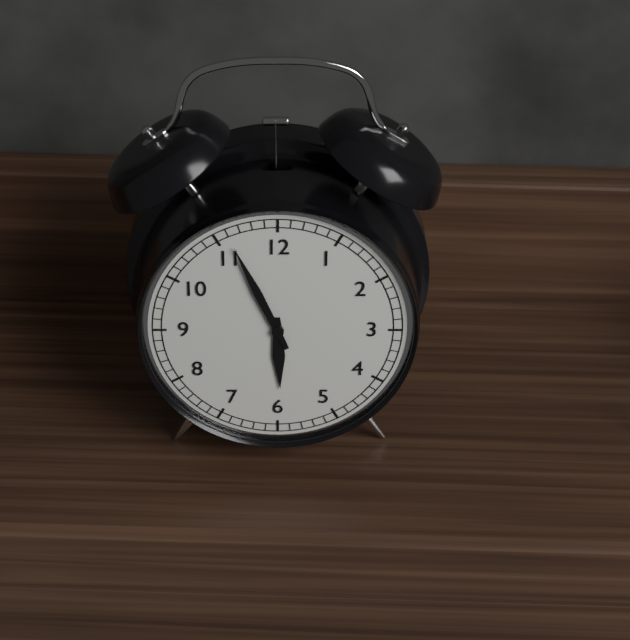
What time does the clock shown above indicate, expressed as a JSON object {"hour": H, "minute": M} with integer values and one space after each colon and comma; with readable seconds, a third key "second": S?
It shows {"hour": 5, "minute": 56}
